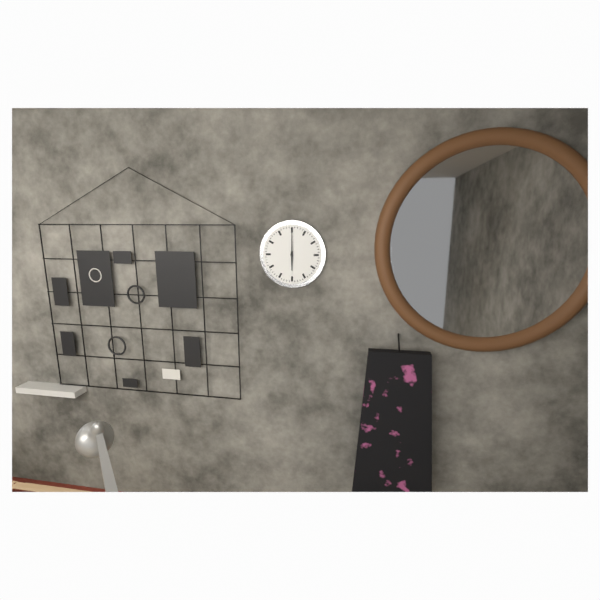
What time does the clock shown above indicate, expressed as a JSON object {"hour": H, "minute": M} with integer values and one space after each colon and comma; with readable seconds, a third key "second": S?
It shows {"hour": 6, "minute": 0}
